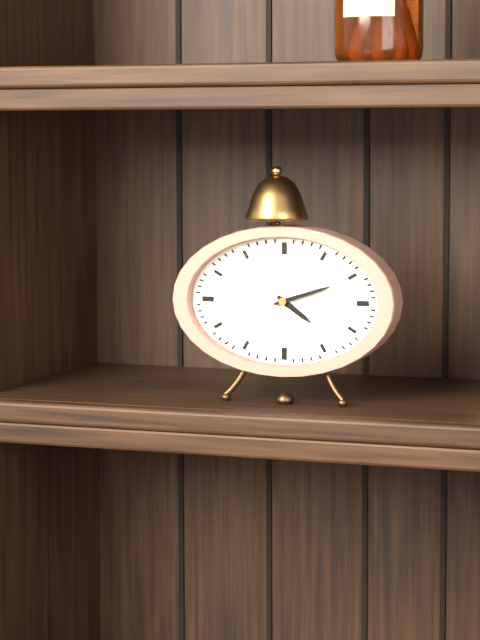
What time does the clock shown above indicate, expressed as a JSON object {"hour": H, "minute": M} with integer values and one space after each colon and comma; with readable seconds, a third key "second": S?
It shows {"hour": 4, "minute": 12}
